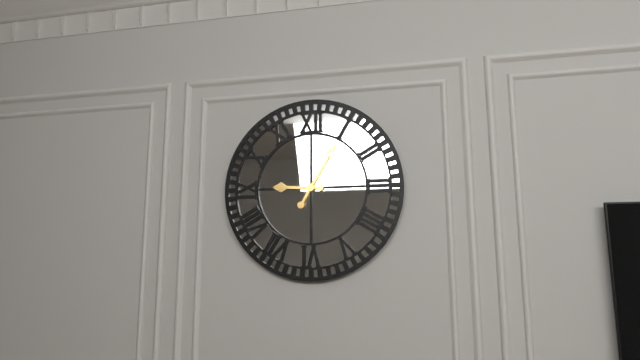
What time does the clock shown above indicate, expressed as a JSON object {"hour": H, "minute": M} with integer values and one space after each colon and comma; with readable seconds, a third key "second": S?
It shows {"hour": 9, "minute": 5}
